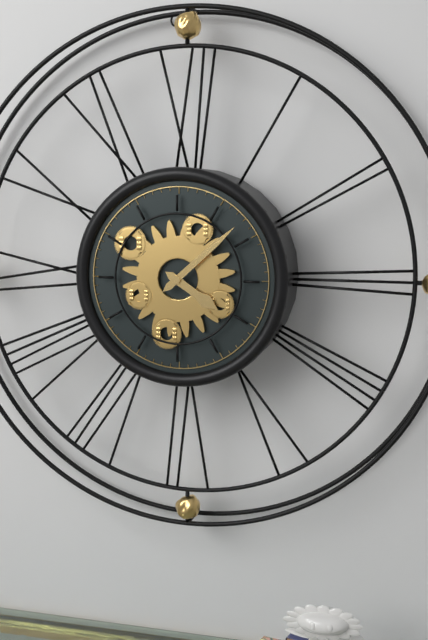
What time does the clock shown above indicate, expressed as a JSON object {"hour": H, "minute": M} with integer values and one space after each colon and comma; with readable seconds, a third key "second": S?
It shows {"hour": 4, "minute": 8}
